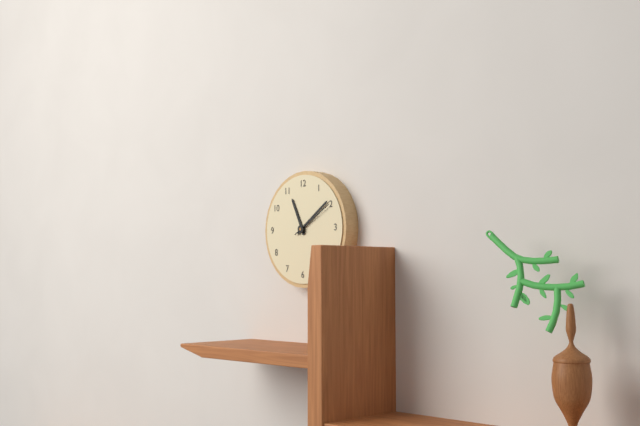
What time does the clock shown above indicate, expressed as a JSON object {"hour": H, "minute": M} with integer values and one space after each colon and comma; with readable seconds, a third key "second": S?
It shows {"hour": 11, "minute": 9}
